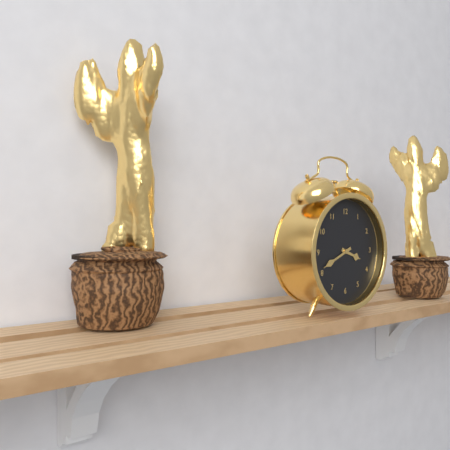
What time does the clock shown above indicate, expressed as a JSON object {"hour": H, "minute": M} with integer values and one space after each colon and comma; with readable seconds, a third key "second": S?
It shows {"hour": 3, "minute": 41}
